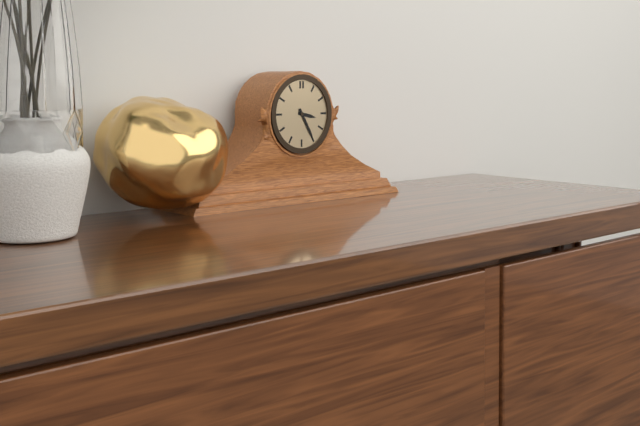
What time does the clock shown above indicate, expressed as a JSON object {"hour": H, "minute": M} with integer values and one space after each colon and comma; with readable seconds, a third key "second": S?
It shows {"hour": 3, "minute": 25}
